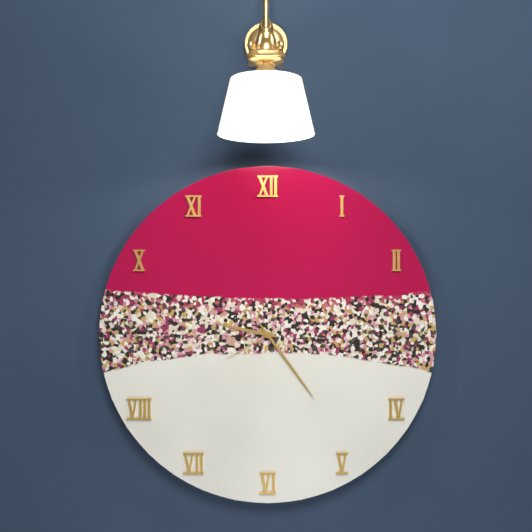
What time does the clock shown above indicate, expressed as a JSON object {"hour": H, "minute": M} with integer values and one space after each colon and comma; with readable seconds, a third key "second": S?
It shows {"hour": 9, "minute": 24, "second": 40}
